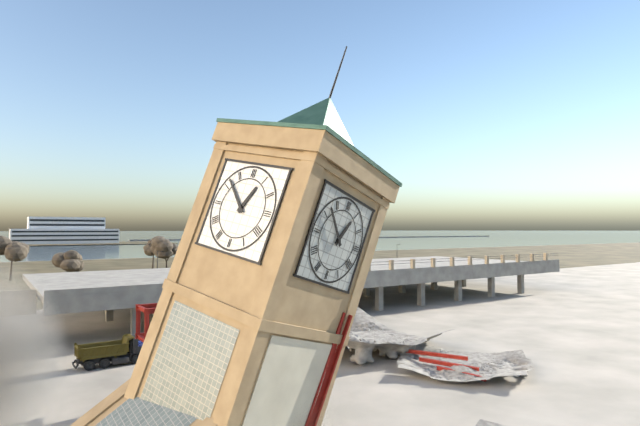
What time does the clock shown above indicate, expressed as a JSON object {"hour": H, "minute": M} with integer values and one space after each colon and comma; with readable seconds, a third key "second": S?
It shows {"hour": 12, "minute": 52}
